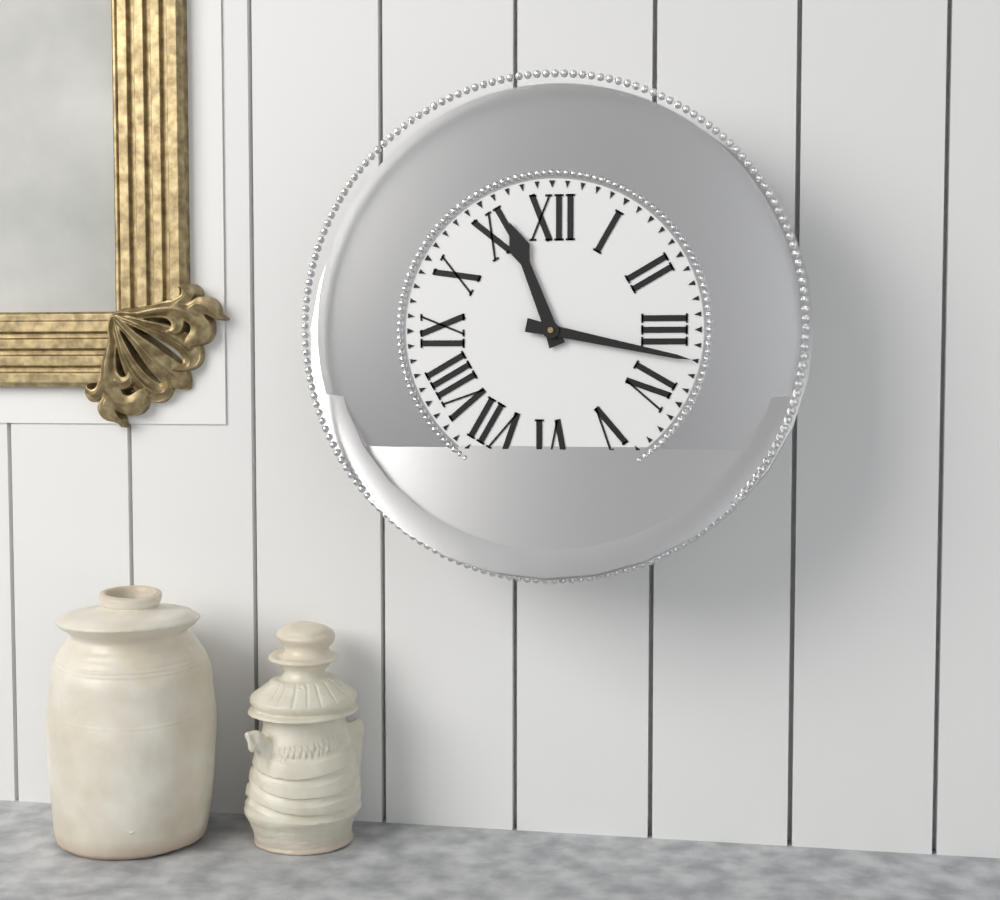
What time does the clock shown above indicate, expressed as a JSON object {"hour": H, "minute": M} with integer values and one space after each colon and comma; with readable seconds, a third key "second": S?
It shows {"hour": 11, "minute": 17}
